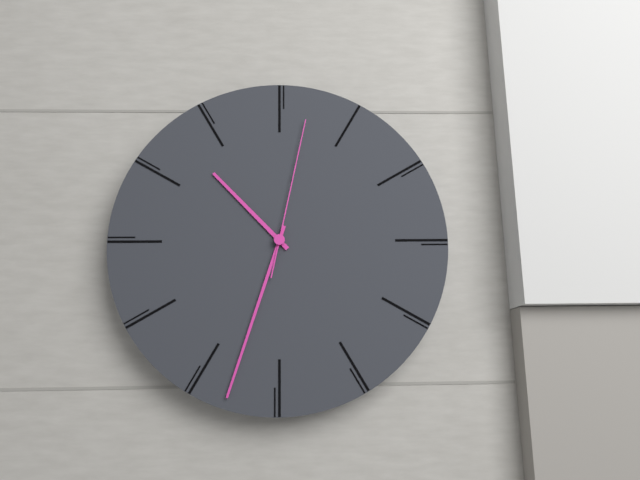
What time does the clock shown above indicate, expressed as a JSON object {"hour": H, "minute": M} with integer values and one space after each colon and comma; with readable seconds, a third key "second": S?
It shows {"hour": 10, "minute": 33, "second": 2}
